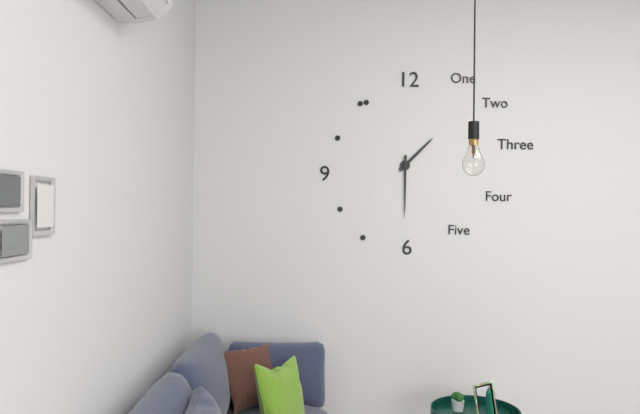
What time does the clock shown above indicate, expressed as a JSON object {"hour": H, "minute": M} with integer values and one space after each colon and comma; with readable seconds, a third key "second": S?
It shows {"hour": 1, "minute": 30}
